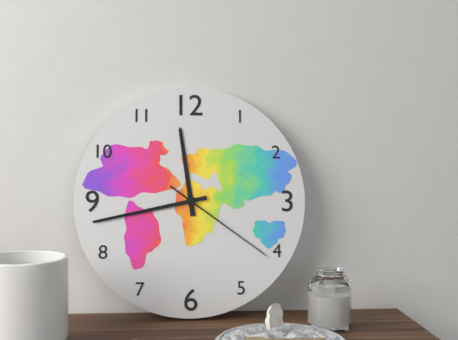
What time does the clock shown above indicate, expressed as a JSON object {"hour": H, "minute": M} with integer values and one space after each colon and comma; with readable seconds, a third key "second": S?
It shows {"hour": 11, "minute": 43, "second": 21}
